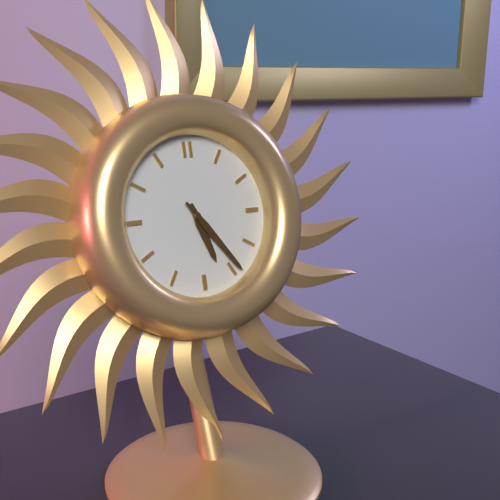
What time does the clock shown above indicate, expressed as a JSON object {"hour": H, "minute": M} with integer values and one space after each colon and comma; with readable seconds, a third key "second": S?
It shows {"hour": 5, "minute": 24}
